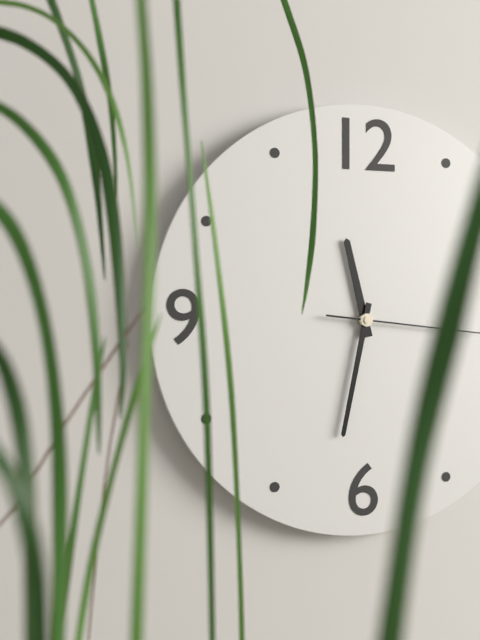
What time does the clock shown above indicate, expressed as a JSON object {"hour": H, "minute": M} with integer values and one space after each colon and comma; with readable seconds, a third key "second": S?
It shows {"hour": 11, "minute": 32}
